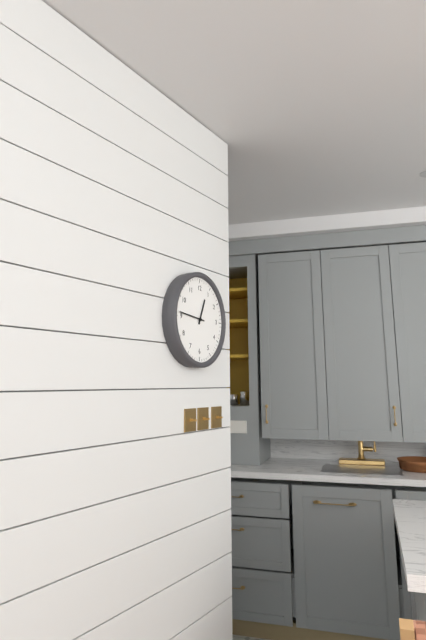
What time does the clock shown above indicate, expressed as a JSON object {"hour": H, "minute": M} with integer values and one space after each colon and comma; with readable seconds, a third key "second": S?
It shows {"hour": 12, "minute": 46}
